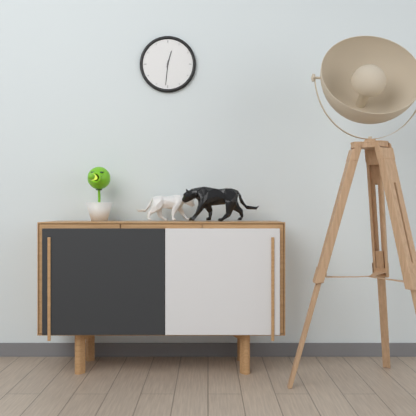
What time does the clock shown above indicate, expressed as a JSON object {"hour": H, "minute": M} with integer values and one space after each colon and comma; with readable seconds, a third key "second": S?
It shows {"hour": 12, "minute": 31}
